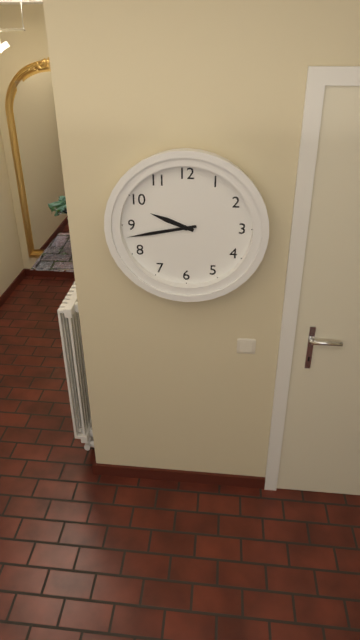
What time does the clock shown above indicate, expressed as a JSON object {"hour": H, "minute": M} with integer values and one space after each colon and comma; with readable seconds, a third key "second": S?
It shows {"hour": 9, "minute": 43}
